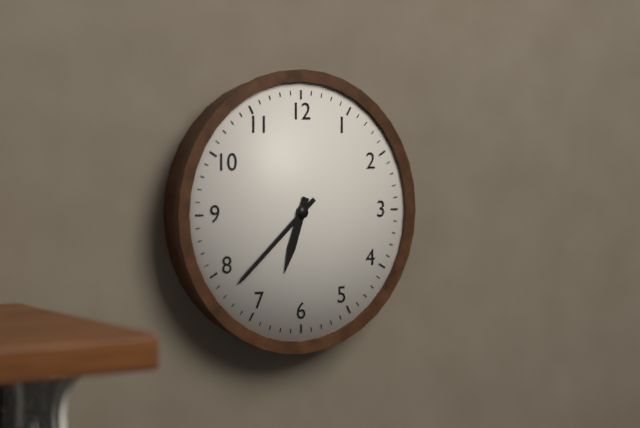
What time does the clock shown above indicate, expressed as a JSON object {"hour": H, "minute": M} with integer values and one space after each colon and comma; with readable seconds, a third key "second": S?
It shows {"hour": 6, "minute": 38}
